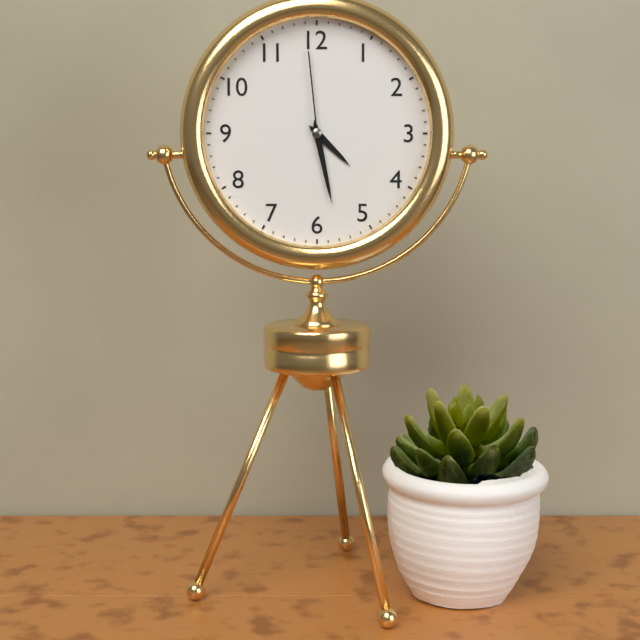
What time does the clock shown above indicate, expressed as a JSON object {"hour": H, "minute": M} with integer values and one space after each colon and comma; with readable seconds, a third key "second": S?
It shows {"hour": 4, "minute": 28, "second": 59}
